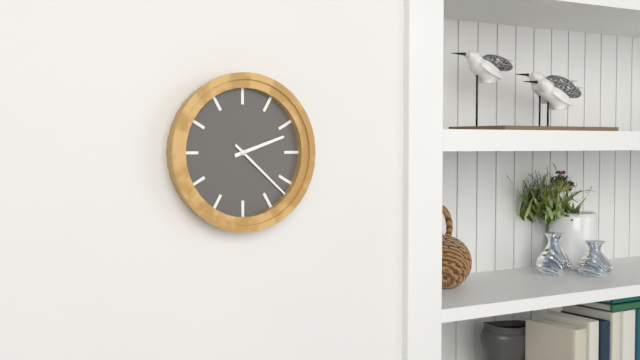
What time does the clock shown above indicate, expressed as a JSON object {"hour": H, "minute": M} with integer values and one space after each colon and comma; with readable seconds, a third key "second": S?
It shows {"hour": 2, "minute": 22}
